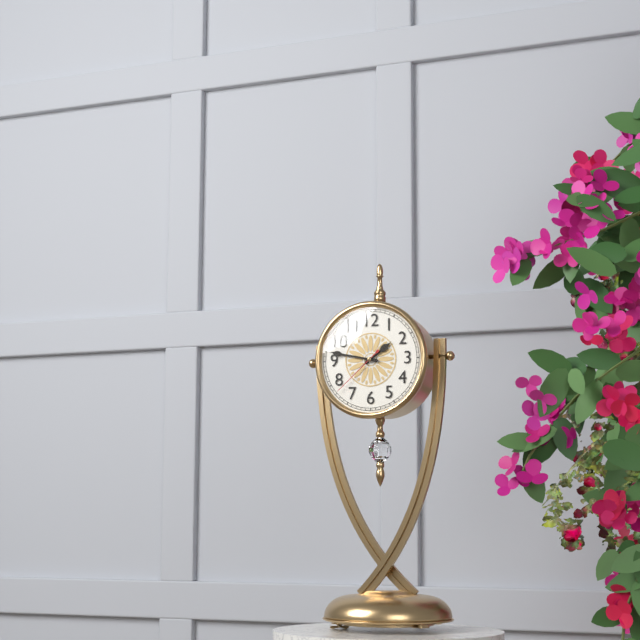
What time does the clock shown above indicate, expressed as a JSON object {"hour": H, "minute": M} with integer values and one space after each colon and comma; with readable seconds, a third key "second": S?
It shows {"hour": 1, "minute": 47, "second": 38}
